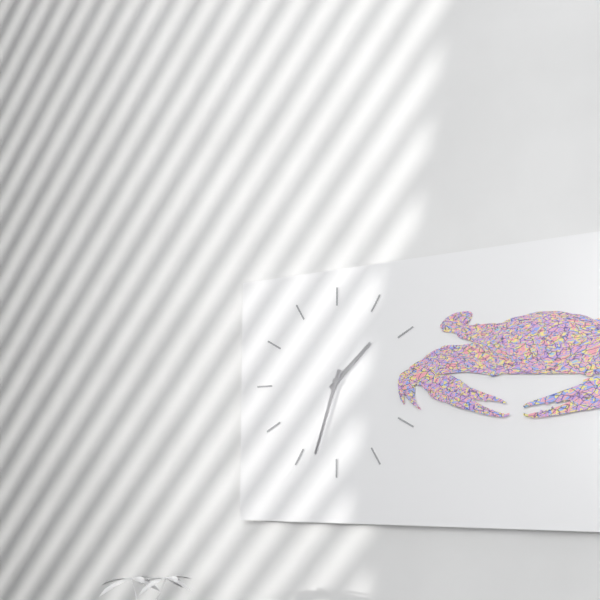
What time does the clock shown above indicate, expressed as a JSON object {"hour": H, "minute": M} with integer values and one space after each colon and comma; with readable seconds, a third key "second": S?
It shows {"hour": 1, "minute": 33}
